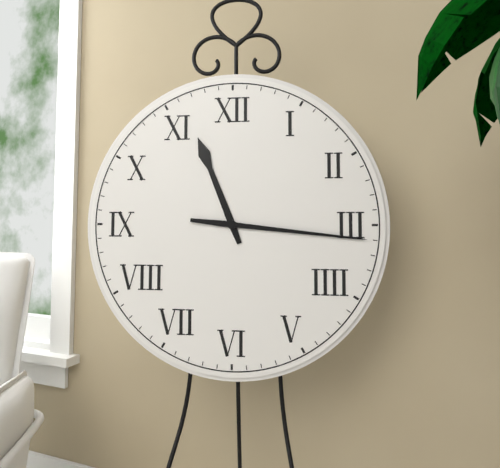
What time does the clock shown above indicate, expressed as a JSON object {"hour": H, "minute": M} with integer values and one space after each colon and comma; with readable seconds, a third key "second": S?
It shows {"hour": 11, "minute": 16}
